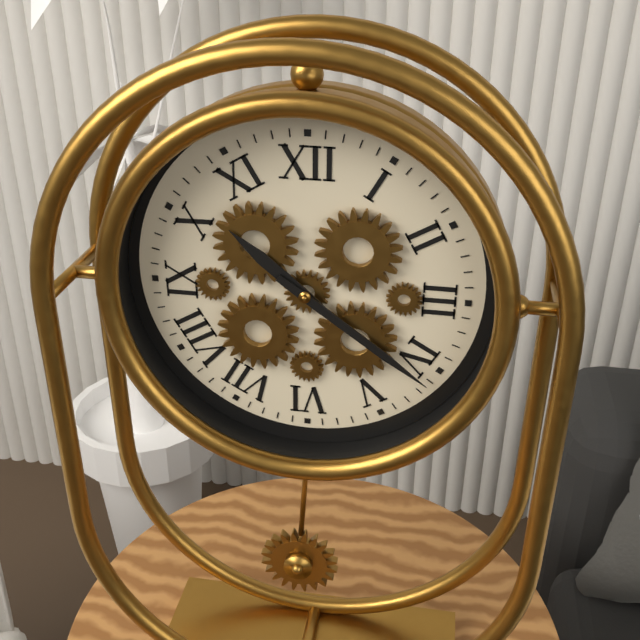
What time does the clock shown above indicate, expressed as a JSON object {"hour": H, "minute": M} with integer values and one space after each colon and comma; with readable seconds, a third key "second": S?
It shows {"hour": 10, "minute": 21}
